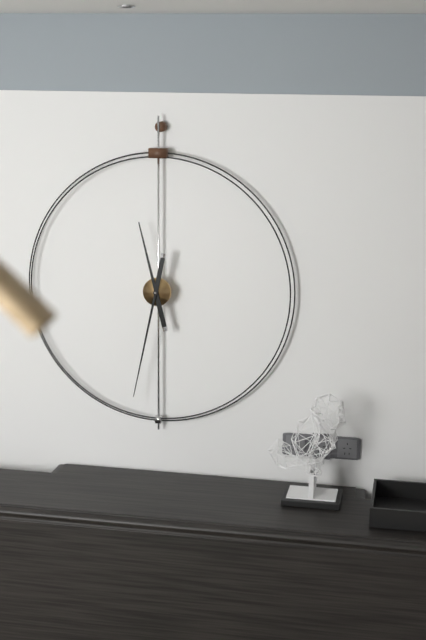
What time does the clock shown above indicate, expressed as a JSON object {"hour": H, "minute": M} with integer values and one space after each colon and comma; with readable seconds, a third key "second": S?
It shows {"hour": 11, "minute": 32}
